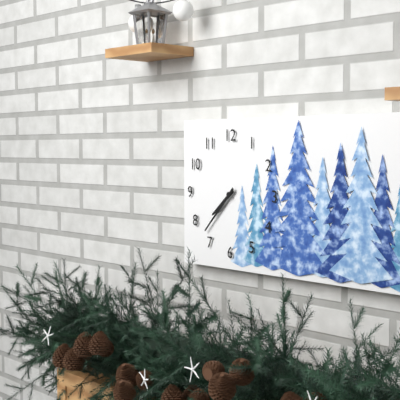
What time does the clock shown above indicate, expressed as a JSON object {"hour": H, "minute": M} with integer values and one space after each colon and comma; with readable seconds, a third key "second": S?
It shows {"hour": 7, "minute": 37}
